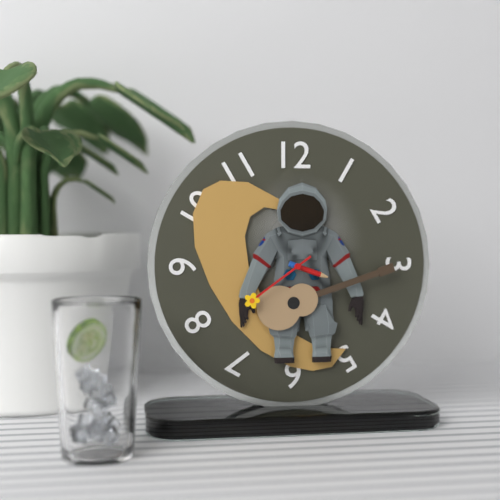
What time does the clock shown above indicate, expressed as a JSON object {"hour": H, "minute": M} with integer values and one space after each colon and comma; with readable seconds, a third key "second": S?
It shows {"hour": 3, "minute": 39}
